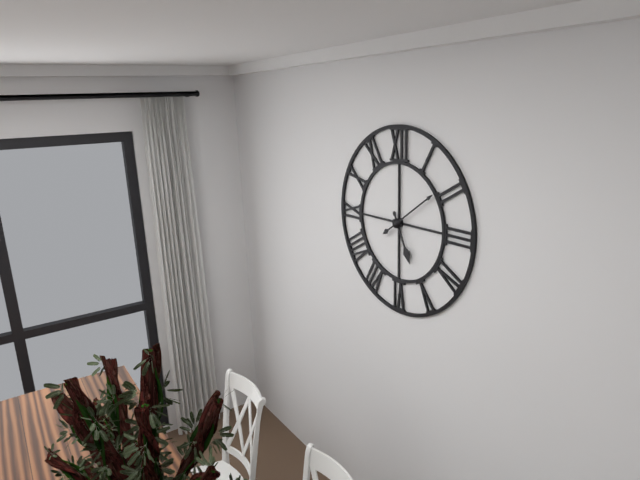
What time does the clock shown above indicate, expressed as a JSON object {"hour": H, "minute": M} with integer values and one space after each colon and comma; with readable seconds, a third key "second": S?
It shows {"hour": 5, "minute": 9}
